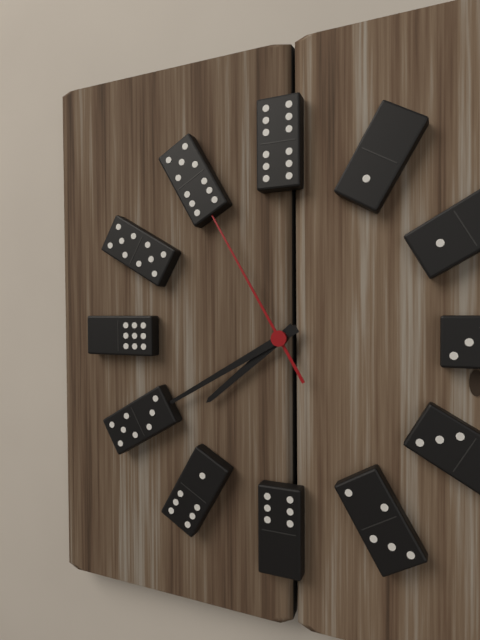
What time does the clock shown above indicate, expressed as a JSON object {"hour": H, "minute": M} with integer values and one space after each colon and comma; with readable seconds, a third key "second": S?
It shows {"hour": 7, "minute": 40, "second": 55}
